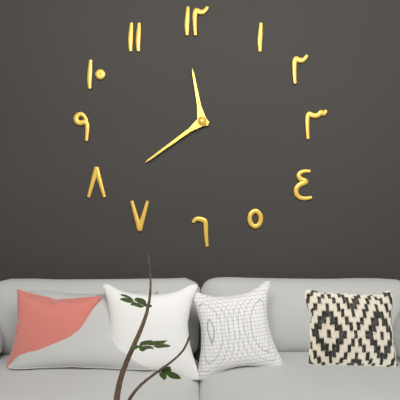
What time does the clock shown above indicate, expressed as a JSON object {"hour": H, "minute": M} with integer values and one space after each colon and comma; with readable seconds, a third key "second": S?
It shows {"hour": 11, "minute": 39}
